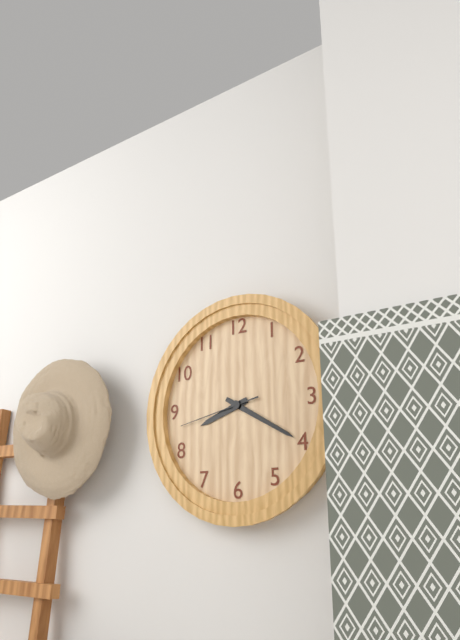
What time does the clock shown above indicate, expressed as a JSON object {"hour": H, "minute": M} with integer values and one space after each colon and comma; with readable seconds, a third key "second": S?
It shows {"hour": 8, "minute": 20, "second": 43}
